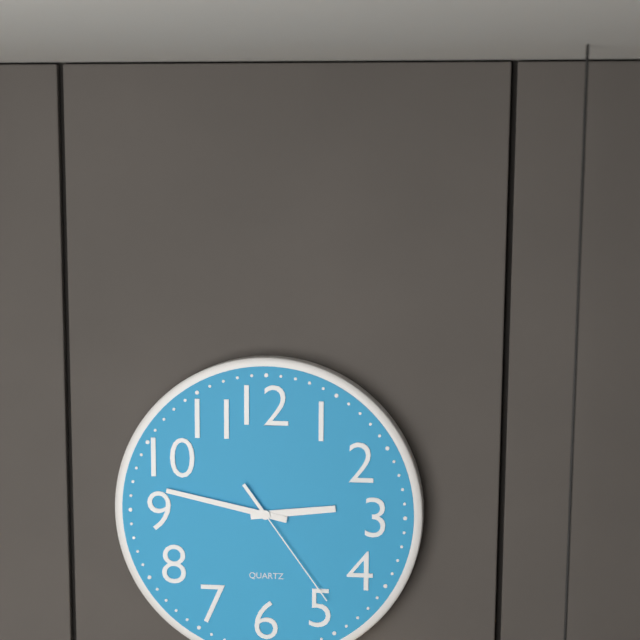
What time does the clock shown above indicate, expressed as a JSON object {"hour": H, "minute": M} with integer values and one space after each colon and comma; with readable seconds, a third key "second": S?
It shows {"hour": 2, "minute": 47, "second": 24}
